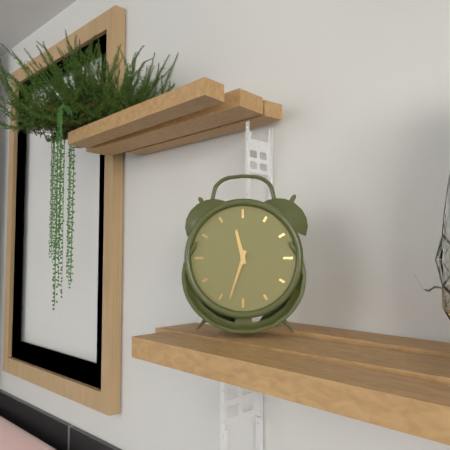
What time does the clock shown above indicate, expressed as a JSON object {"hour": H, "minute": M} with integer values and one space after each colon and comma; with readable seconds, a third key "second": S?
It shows {"hour": 11, "minute": 33}
